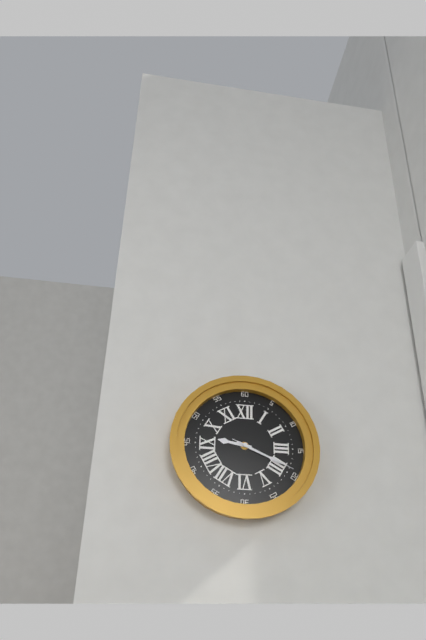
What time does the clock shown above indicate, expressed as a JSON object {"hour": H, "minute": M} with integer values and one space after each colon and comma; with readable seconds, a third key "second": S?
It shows {"hour": 9, "minute": 19, "second": 19}
